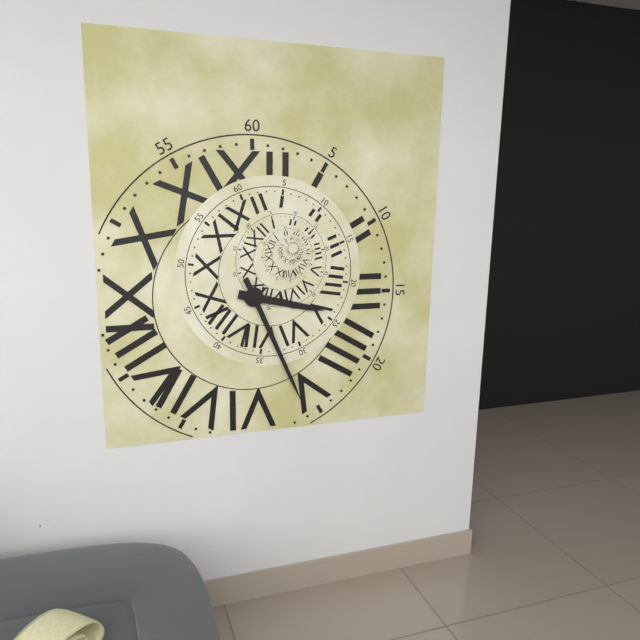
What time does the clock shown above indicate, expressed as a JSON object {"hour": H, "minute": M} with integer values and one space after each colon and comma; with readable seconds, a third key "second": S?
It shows {"hour": 3, "minute": 26}
